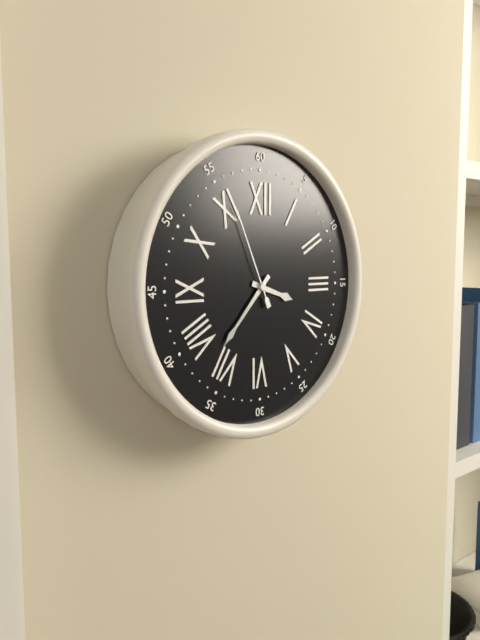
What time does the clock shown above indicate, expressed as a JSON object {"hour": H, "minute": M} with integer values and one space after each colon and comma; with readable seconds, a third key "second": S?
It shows {"hour": 3, "minute": 37, "second": 56}
